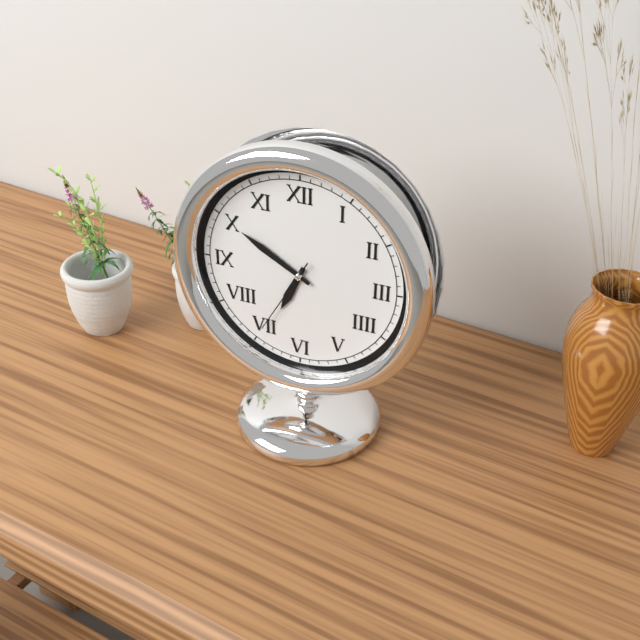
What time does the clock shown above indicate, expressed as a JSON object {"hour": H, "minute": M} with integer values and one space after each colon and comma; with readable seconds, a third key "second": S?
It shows {"hour": 6, "minute": 50, "second": 35}
